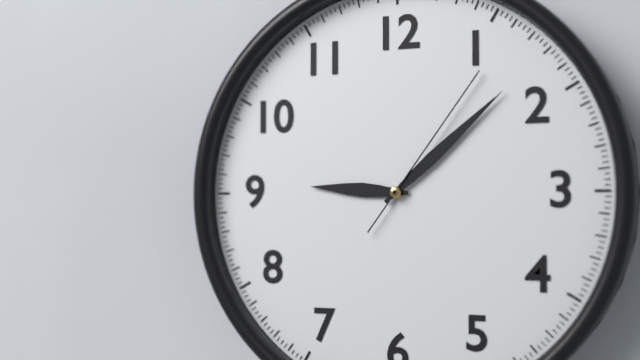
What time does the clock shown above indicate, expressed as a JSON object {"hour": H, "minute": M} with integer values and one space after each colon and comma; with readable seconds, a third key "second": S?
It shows {"hour": 9, "minute": 8, "second": 6}
